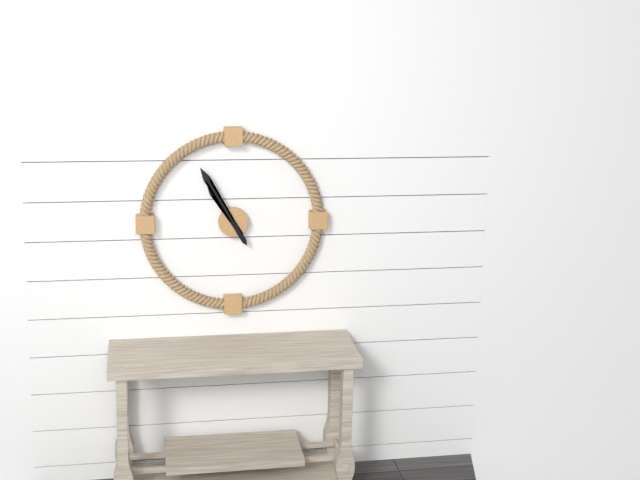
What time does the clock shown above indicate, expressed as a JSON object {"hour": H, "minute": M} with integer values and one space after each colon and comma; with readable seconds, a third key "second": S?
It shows {"hour": 10, "minute": 55}
